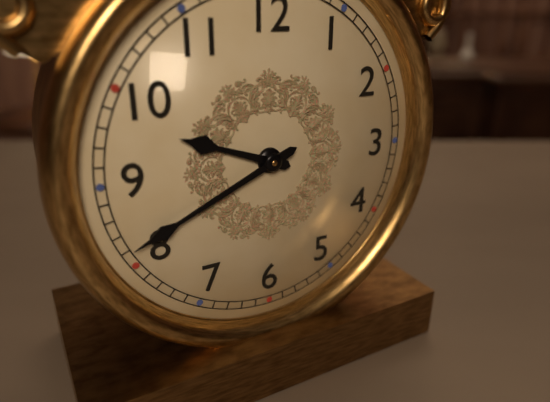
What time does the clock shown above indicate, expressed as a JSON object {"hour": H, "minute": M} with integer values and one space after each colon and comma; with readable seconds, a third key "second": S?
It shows {"hour": 9, "minute": 41}
